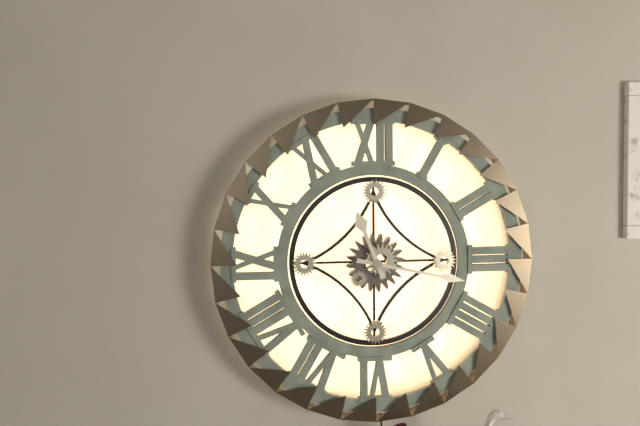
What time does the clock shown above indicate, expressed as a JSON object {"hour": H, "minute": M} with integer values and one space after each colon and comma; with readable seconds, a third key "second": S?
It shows {"hour": 11, "minute": 17}
